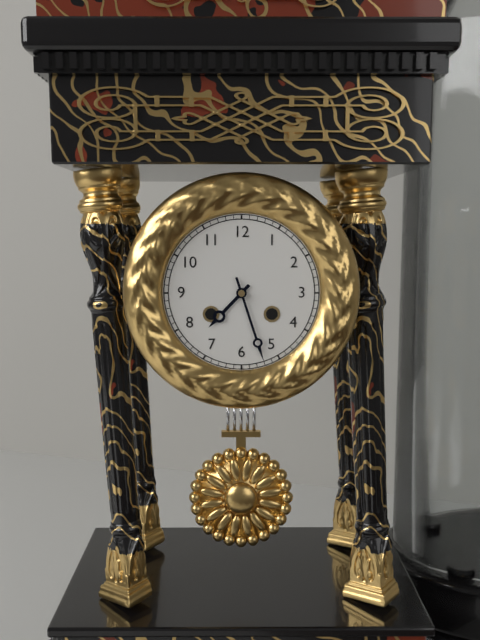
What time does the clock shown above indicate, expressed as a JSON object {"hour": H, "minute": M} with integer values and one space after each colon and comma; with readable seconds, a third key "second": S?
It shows {"hour": 7, "minute": 27}
